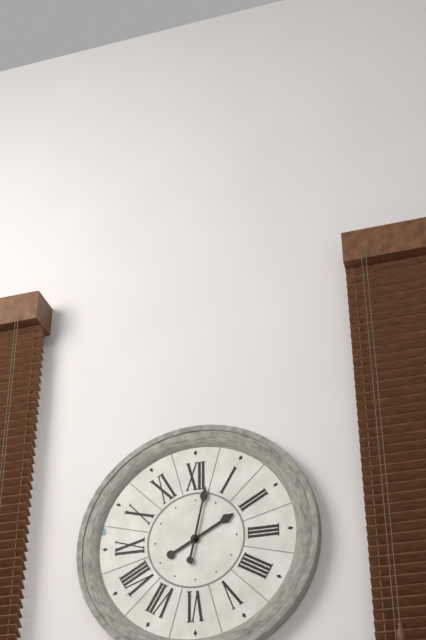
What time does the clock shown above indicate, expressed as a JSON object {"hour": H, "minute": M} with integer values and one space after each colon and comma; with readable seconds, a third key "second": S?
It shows {"hour": 2, "minute": 2}
